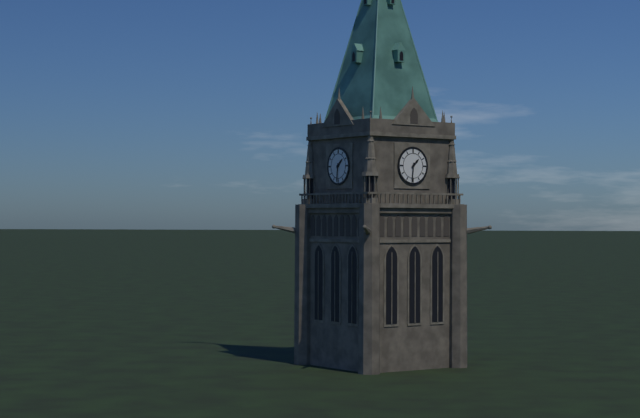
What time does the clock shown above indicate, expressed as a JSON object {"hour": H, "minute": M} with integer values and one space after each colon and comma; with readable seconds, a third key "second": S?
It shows {"hour": 1, "minute": 31}
